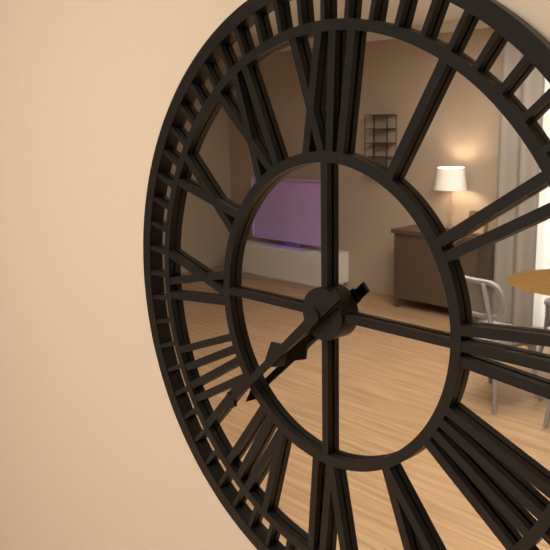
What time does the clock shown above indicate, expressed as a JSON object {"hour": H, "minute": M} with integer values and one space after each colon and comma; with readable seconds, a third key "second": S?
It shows {"hour": 7, "minute": 38}
